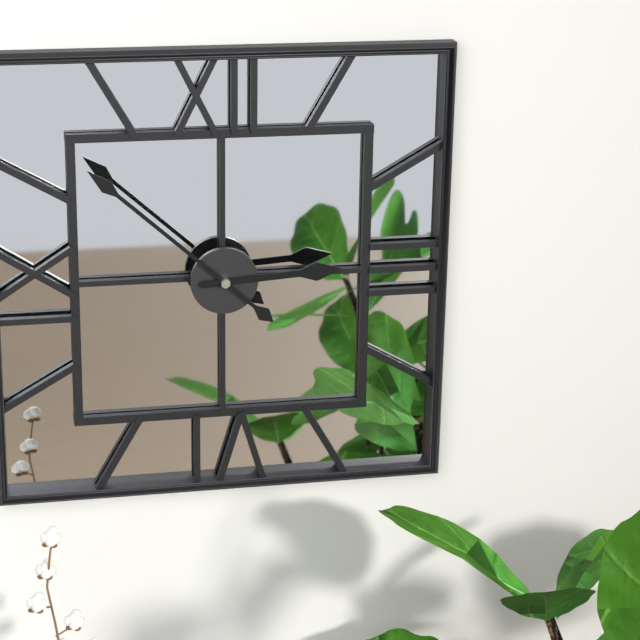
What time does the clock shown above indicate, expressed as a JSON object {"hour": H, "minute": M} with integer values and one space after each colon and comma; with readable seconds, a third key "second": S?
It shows {"hour": 2, "minute": 52}
